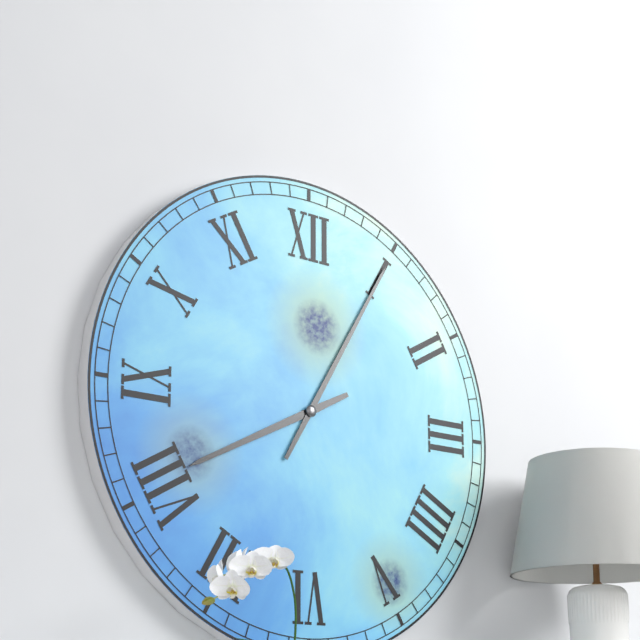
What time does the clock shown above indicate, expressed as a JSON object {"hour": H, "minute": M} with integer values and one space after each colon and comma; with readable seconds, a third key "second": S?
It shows {"hour": 8, "minute": 5}
